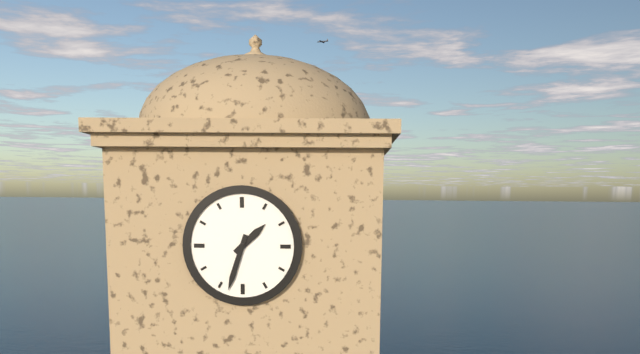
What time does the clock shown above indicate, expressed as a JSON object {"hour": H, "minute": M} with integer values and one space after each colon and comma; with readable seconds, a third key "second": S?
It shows {"hour": 1, "minute": 33}
